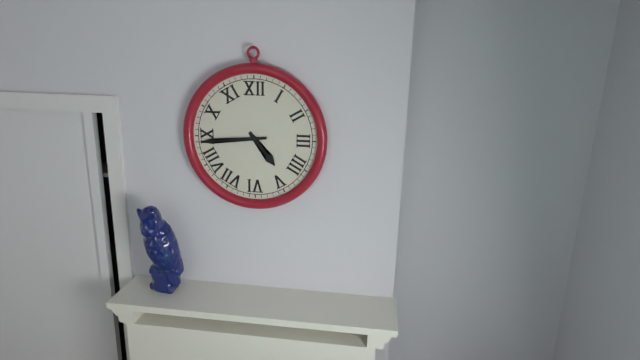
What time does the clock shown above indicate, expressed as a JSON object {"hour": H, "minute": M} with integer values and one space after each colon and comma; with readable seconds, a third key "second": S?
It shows {"hour": 4, "minute": 44}
